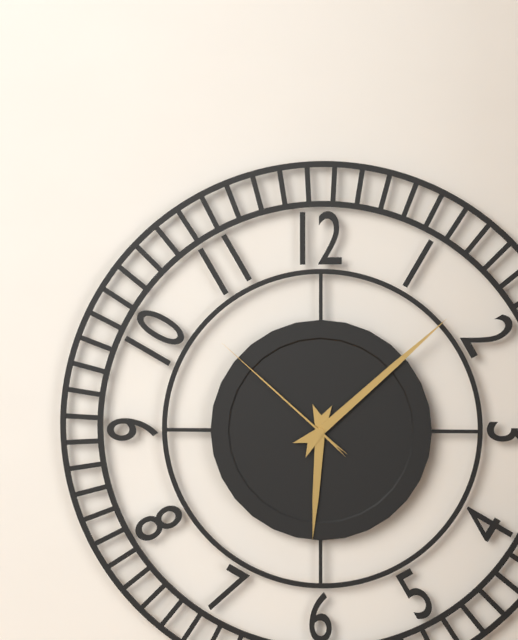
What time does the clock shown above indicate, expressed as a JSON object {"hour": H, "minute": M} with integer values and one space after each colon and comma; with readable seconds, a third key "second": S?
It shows {"hour": 6, "minute": 8, "second": 52}
